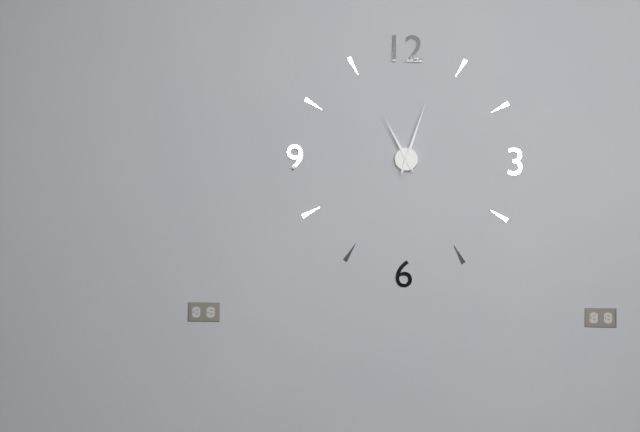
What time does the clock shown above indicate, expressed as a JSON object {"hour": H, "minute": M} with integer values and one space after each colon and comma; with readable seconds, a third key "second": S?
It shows {"hour": 11, "minute": 3}
